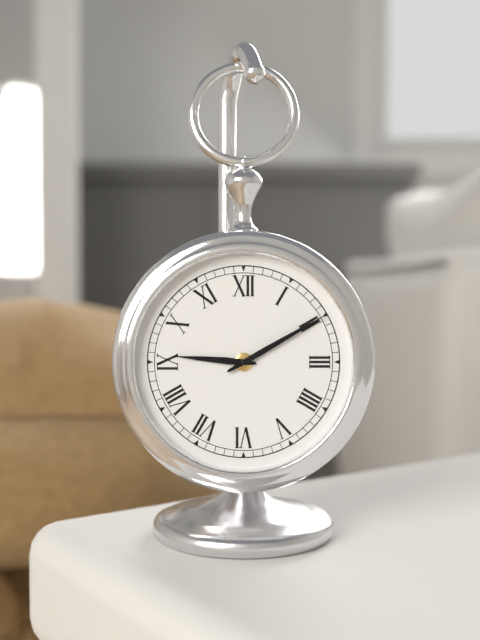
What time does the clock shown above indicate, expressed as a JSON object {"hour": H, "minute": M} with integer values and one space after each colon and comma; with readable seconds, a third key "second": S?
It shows {"hour": 9, "minute": 10}
